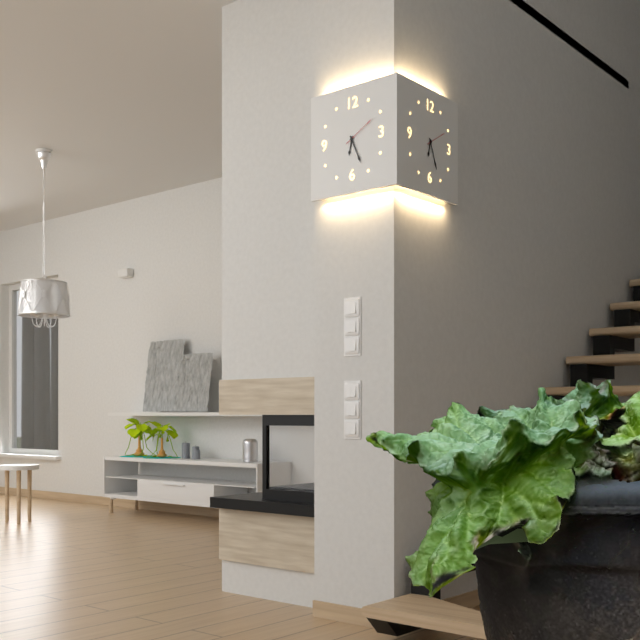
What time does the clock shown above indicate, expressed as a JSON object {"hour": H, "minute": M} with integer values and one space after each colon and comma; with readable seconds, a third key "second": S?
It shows {"hour": 6, "minute": 26}
